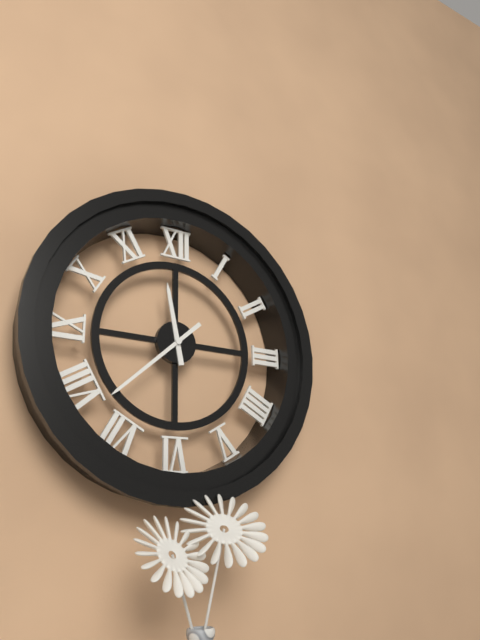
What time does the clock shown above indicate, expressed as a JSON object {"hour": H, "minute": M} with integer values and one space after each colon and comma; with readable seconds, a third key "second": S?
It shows {"hour": 11, "minute": 38}
